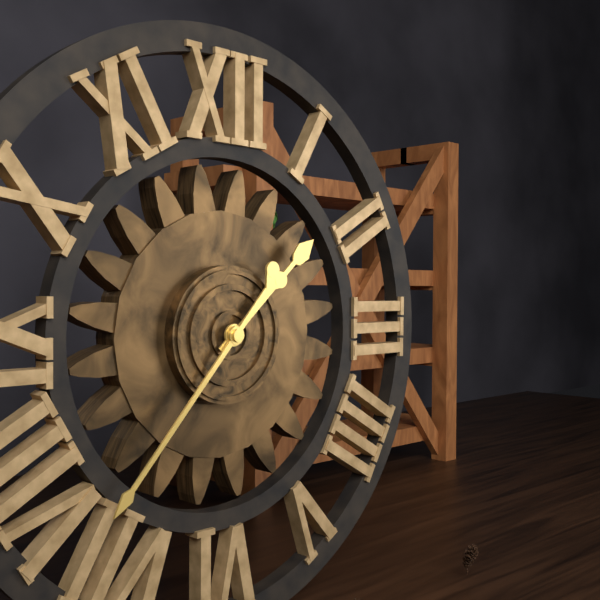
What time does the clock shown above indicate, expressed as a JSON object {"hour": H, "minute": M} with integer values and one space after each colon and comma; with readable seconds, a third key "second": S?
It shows {"hour": 1, "minute": 37}
